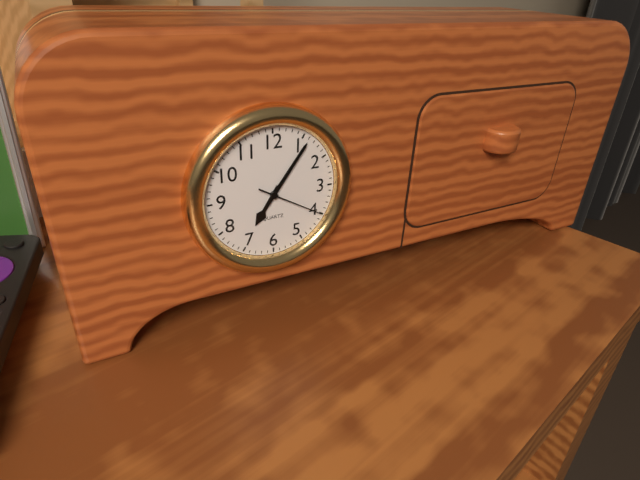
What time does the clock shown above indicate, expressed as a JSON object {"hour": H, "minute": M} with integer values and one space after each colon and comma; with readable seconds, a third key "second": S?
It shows {"hour": 7, "minute": 6, "second": 20}
